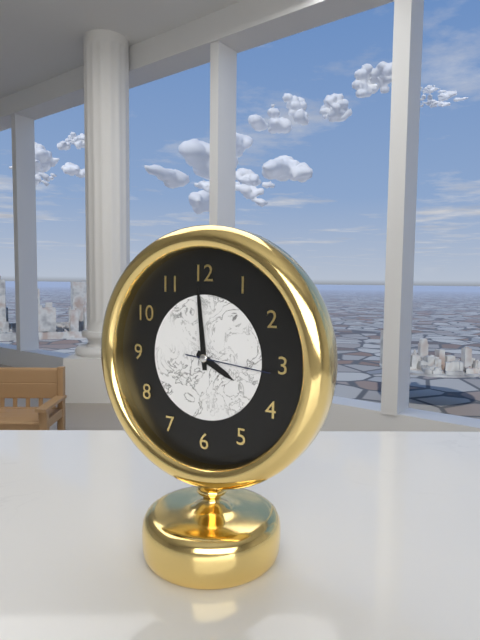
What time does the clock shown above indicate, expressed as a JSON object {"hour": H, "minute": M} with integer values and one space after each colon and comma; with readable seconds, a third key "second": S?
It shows {"hour": 3, "minute": 59, "second": 16}
